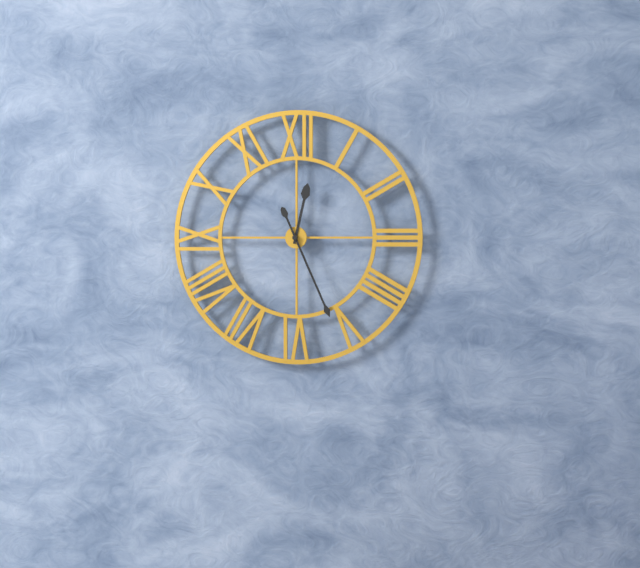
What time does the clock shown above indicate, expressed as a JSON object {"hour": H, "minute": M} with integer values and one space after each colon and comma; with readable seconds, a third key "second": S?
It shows {"hour": 12, "minute": 26}
